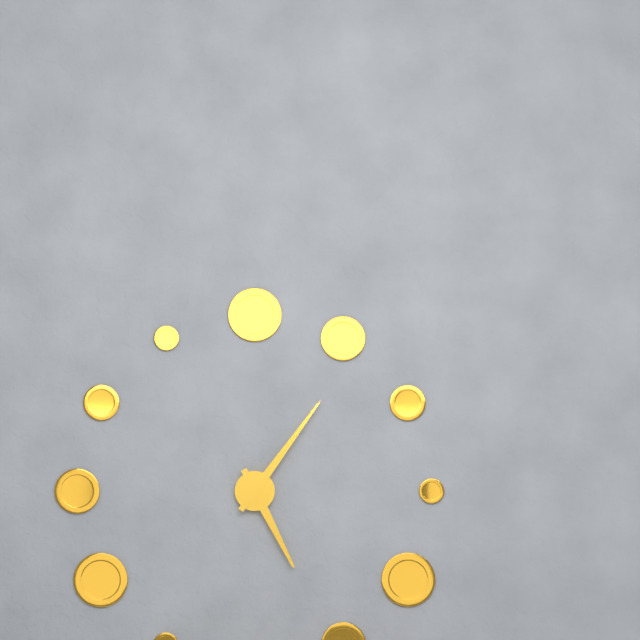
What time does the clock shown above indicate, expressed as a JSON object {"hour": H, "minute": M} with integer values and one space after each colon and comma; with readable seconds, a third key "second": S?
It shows {"hour": 5, "minute": 6}
